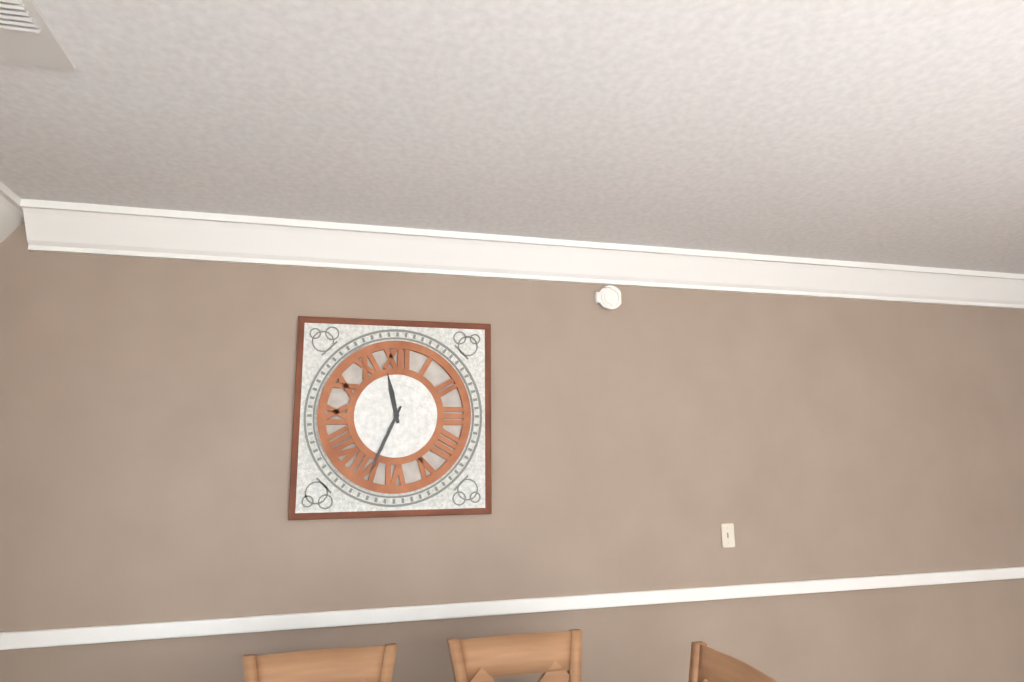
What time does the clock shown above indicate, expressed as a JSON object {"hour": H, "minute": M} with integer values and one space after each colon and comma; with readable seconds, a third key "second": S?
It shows {"hour": 11, "minute": 34}
